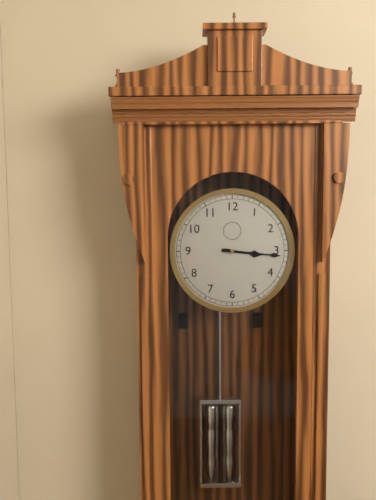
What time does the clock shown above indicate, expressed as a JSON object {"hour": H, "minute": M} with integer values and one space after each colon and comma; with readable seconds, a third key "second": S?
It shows {"hour": 3, "minute": 16}
